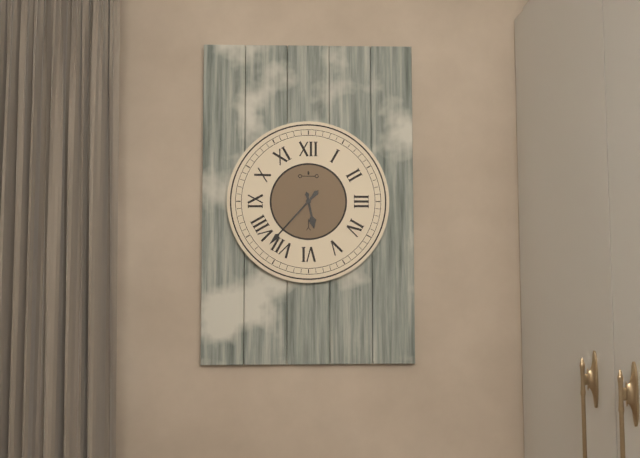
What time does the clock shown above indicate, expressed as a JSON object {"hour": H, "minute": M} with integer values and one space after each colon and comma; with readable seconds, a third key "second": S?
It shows {"hour": 5, "minute": 37}
